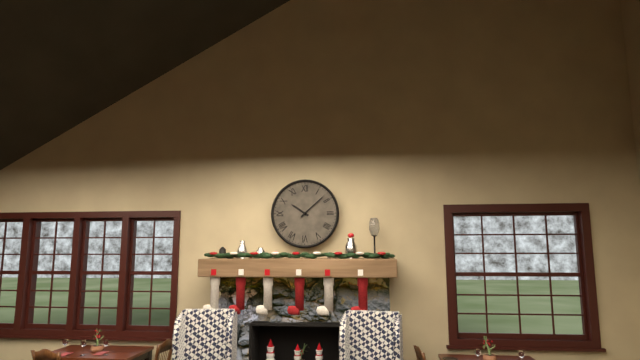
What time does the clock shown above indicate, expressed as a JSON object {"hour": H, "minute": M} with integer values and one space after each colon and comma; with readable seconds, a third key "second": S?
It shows {"hour": 10, "minute": 8}
